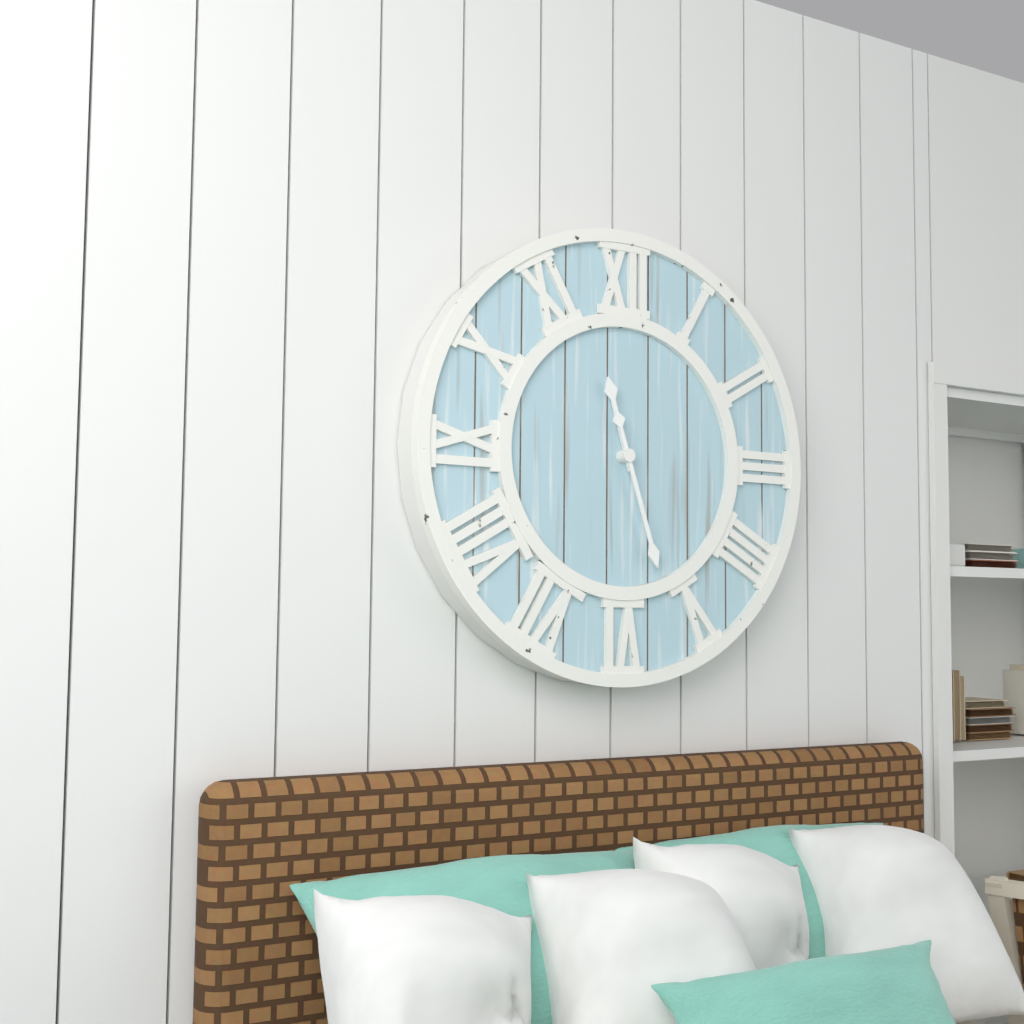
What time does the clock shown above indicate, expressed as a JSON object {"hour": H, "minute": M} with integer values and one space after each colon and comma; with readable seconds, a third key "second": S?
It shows {"hour": 11, "minute": 27}
